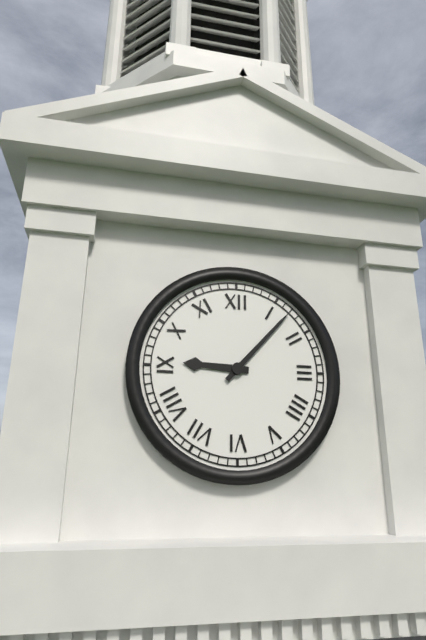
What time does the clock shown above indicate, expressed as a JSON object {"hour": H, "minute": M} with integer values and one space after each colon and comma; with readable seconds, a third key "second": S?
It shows {"hour": 9, "minute": 7}
